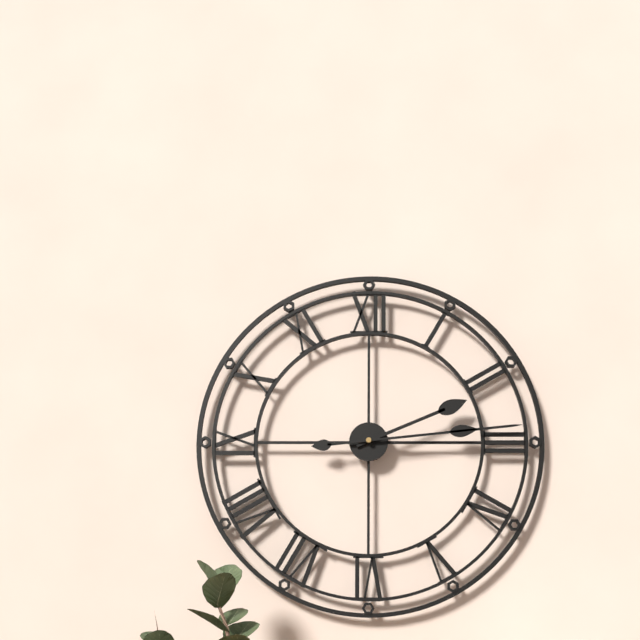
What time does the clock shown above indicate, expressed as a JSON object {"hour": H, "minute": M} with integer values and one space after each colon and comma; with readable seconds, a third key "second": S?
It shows {"hour": 2, "minute": 14}
